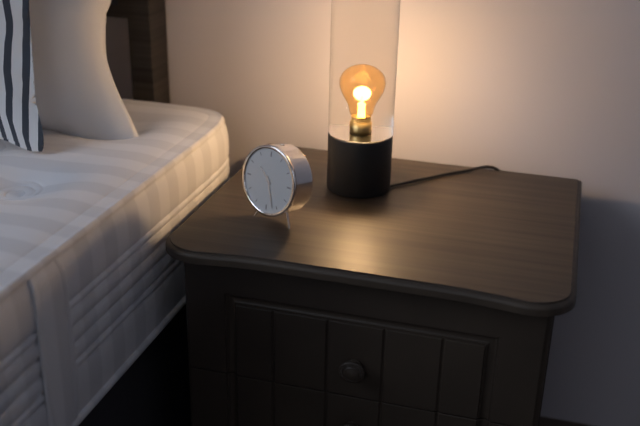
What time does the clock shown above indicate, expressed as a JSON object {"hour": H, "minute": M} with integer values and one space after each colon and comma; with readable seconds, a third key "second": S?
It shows {"hour": 10, "minute": 27}
